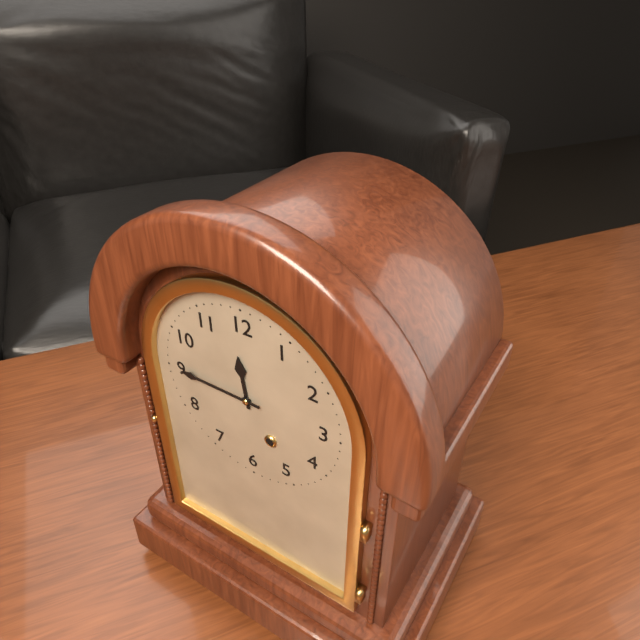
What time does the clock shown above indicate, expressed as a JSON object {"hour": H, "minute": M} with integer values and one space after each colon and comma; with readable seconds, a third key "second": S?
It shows {"hour": 11, "minute": 45}
